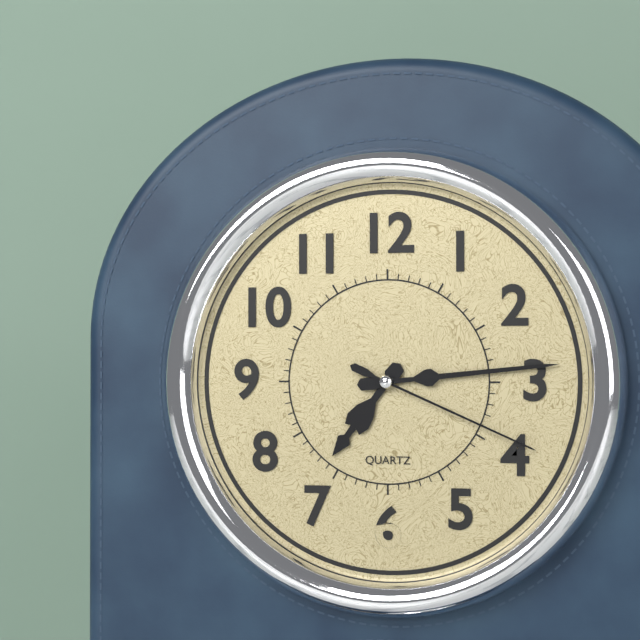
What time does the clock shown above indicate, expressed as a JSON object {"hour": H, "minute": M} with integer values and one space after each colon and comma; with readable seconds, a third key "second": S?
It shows {"hour": 7, "minute": 14, "second": 19}
